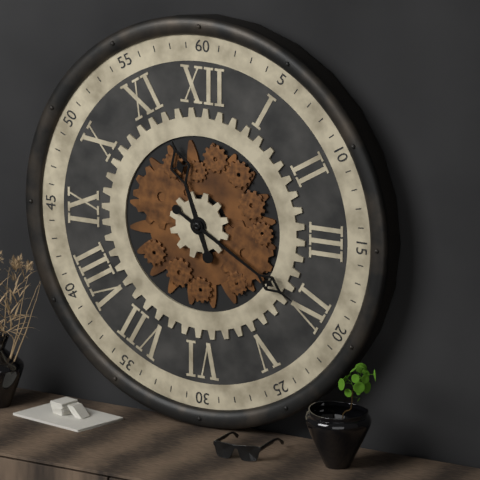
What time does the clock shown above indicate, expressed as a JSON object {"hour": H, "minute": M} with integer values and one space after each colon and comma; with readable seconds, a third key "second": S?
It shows {"hour": 11, "minute": 20}
